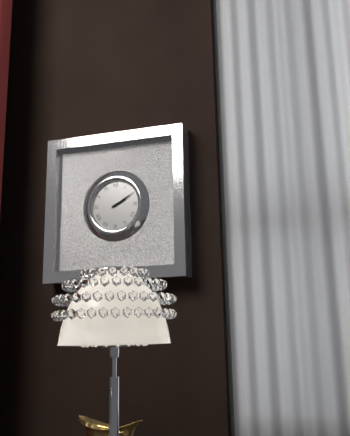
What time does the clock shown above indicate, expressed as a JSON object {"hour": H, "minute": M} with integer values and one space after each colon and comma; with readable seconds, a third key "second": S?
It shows {"hour": 2, "minute": 10}
